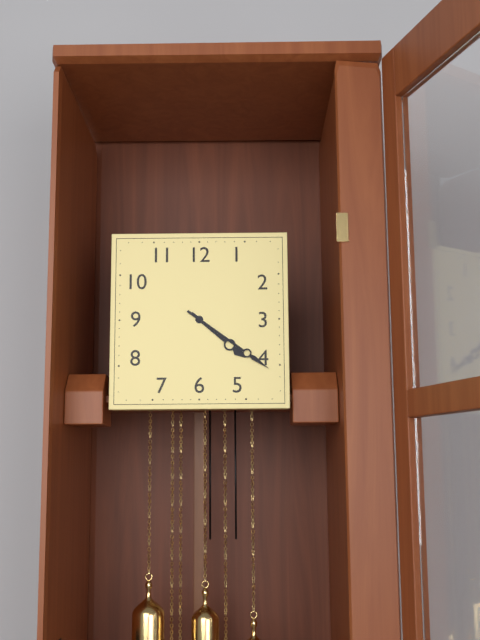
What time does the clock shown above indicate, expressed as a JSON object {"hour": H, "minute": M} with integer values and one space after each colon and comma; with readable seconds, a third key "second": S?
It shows {"hour": 4, "minute": 21}
